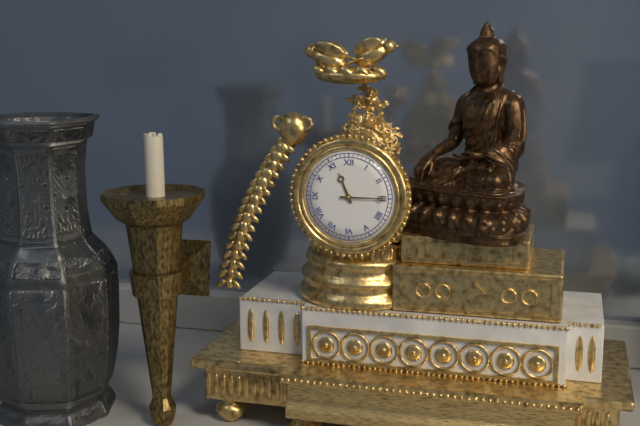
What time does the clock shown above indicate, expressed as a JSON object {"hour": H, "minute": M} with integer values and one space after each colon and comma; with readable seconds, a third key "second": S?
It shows {"hour": 11, "minute": 15}
